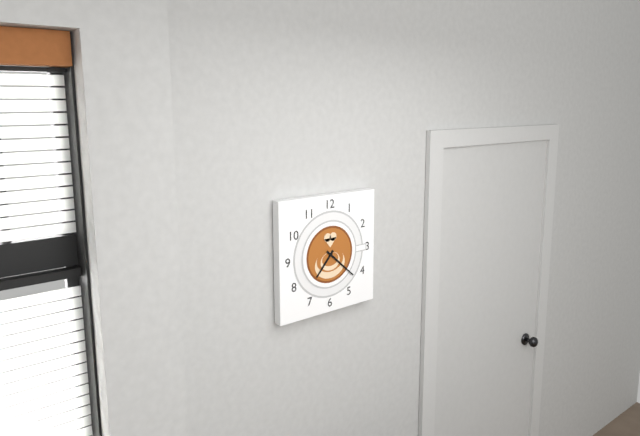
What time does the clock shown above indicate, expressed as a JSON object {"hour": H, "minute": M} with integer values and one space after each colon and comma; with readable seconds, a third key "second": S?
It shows {"hour": 7, "minute": 22}
